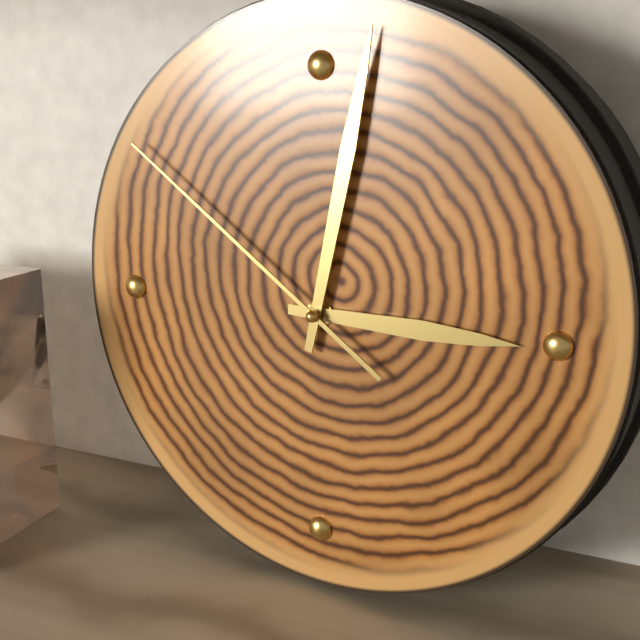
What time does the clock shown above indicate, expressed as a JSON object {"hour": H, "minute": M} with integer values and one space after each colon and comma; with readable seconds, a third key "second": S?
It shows {"hour": 3, "minute": 2, "second": 51}
